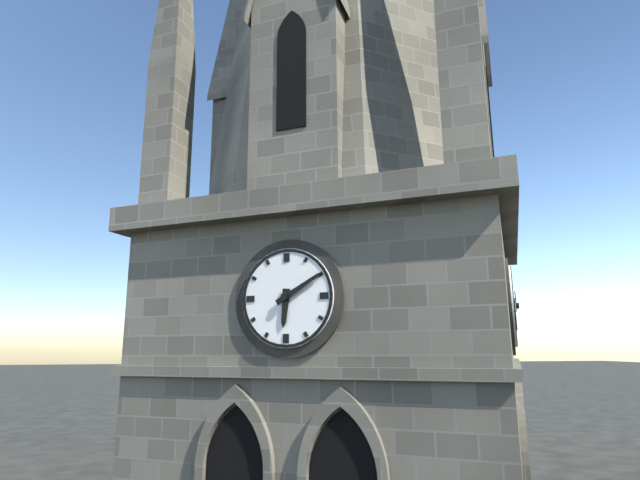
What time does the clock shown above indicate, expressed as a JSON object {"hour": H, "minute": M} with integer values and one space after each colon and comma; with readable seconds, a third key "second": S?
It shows {"hour": 6, "minute": 10}
